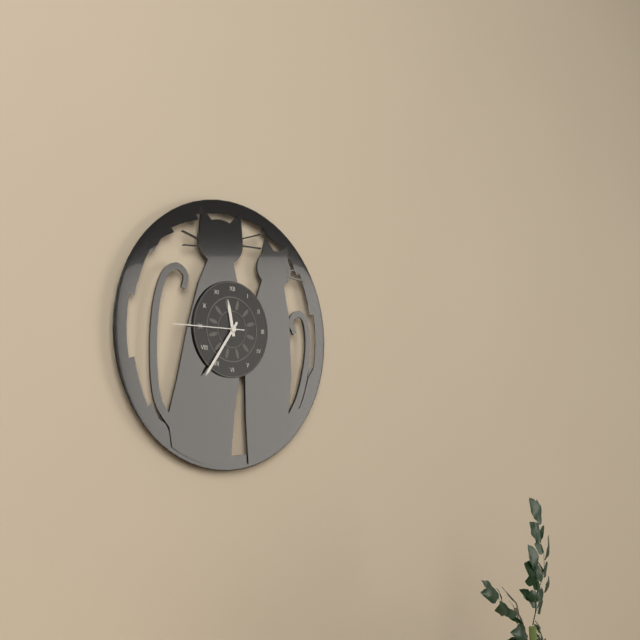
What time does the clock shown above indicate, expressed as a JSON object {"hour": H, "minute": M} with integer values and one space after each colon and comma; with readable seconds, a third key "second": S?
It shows {"hour": 11, "minute": 36, "second": 45}
